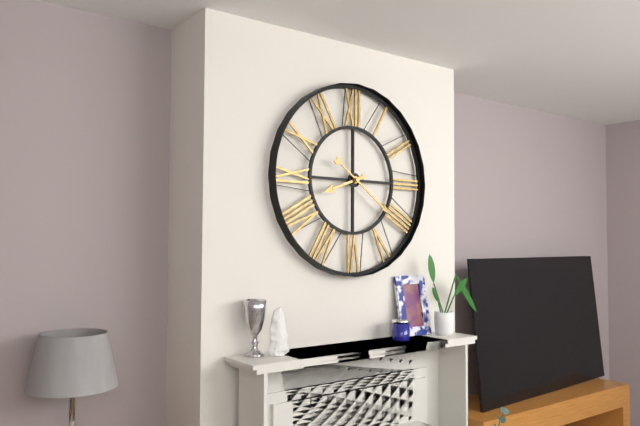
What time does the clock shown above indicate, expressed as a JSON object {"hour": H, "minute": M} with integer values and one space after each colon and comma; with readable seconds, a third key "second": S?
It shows {"hour": 8, "minute": 21}
